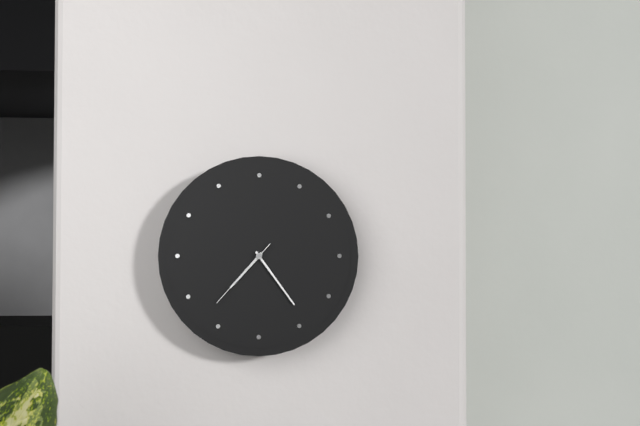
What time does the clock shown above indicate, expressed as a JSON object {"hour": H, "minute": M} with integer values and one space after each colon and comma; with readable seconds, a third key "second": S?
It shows {"hour": 7, "minute": 24, "second": 37}
